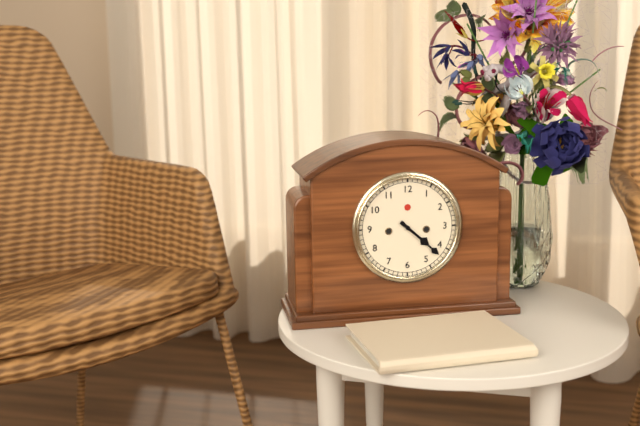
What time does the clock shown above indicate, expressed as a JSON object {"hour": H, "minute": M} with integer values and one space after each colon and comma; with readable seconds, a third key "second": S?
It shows {"hour": 4, "minute": 22}
